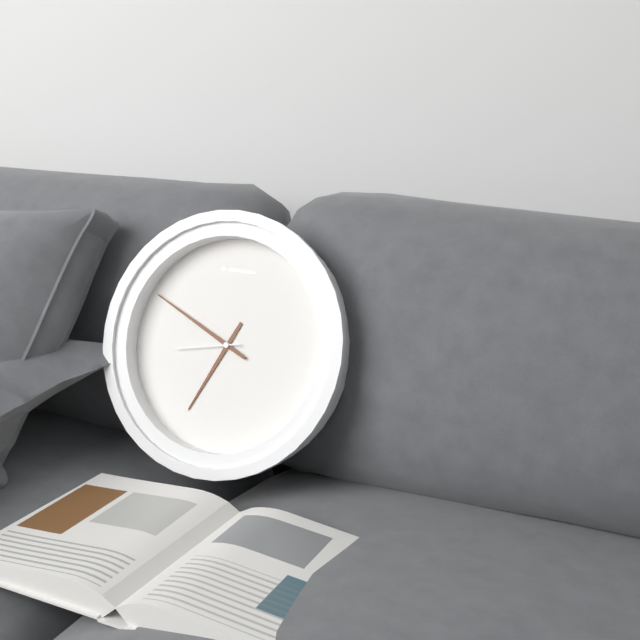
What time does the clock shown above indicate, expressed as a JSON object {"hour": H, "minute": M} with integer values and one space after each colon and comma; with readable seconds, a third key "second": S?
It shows {"hour": 6, "minute": 49, "second": 43}
